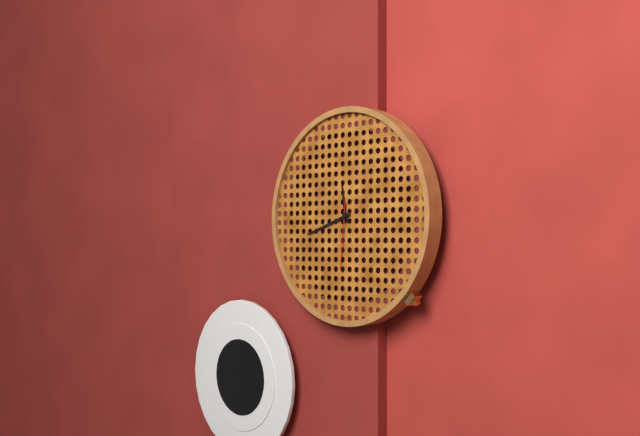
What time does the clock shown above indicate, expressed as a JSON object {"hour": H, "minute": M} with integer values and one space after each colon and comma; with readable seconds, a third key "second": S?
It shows {"hour": 11, "minute": 42, "second": 31}
